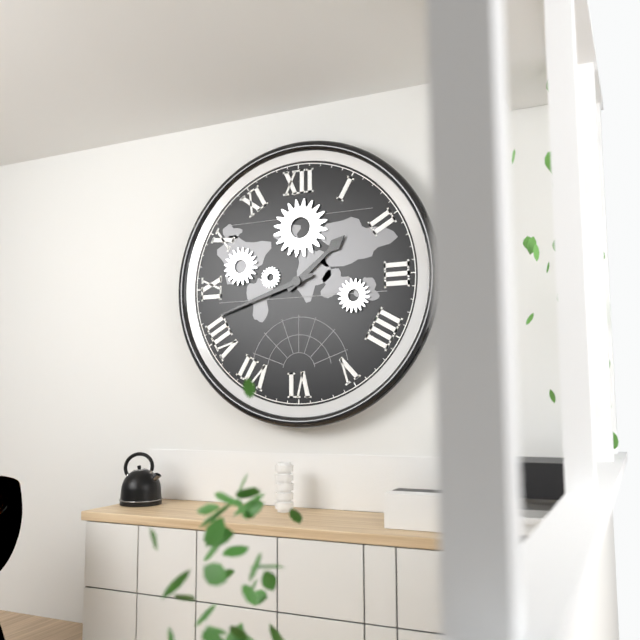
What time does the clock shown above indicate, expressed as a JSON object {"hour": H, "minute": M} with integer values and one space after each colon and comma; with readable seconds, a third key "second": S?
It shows {"hour": 1, "minute": 42}
